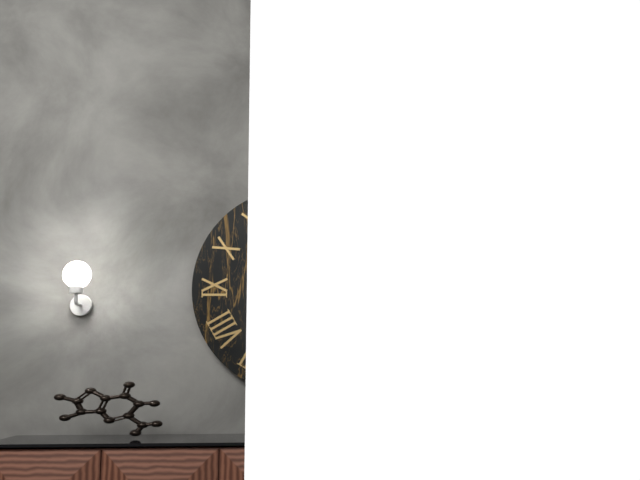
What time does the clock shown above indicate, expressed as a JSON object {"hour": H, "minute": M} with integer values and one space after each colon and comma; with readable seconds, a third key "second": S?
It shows {"hour": 10, "minute": 20}
